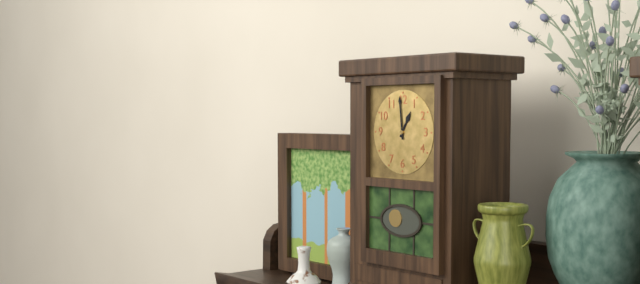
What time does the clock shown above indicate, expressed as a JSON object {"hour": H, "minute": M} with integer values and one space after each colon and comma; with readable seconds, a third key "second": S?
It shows {"hour": 12, "minute": 59}
